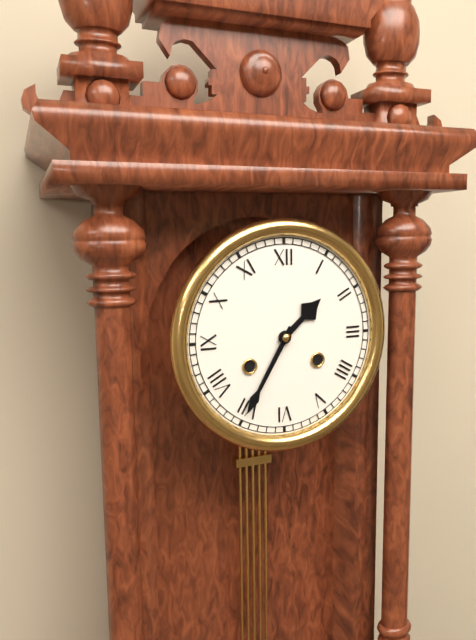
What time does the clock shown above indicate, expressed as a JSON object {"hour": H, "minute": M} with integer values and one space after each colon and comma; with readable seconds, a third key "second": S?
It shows {"hour": 1, "minute": 35}
